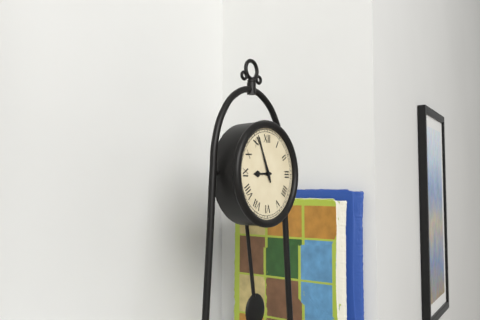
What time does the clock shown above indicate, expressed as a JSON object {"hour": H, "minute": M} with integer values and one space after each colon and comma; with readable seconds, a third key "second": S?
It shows {"hour": 8, "minute": 56}
